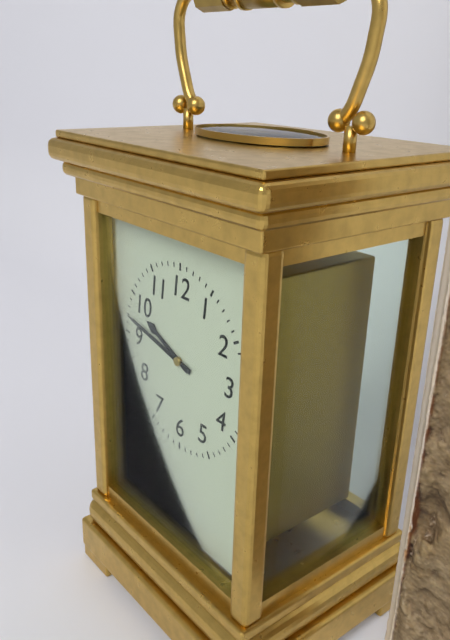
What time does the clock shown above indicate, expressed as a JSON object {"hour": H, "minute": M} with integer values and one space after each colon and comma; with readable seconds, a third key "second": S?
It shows {"hour": 9, "minute": 47}
